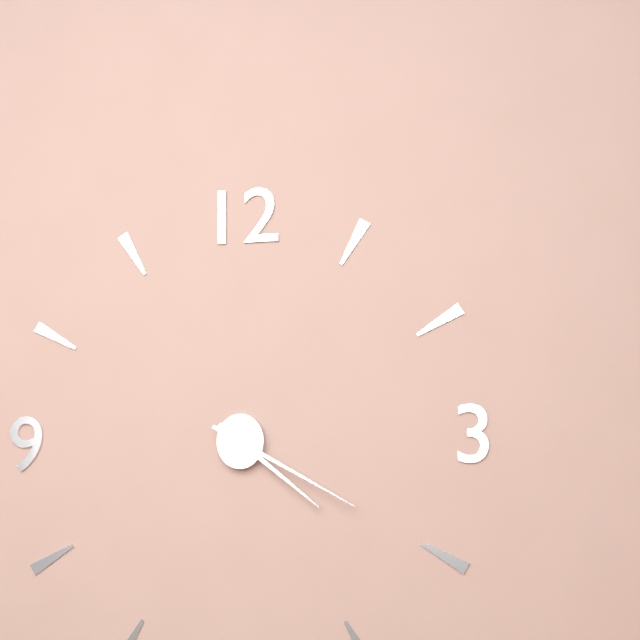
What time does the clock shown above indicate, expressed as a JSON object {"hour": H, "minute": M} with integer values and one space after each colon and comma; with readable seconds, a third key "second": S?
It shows {"hour": 4, "minute": 20}
